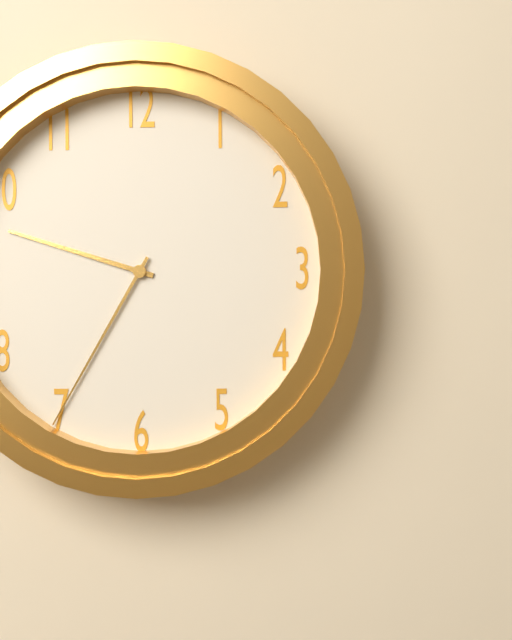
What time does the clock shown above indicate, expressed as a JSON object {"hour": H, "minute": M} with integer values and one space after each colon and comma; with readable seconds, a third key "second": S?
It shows {"hour": 9, "minute": 35}
